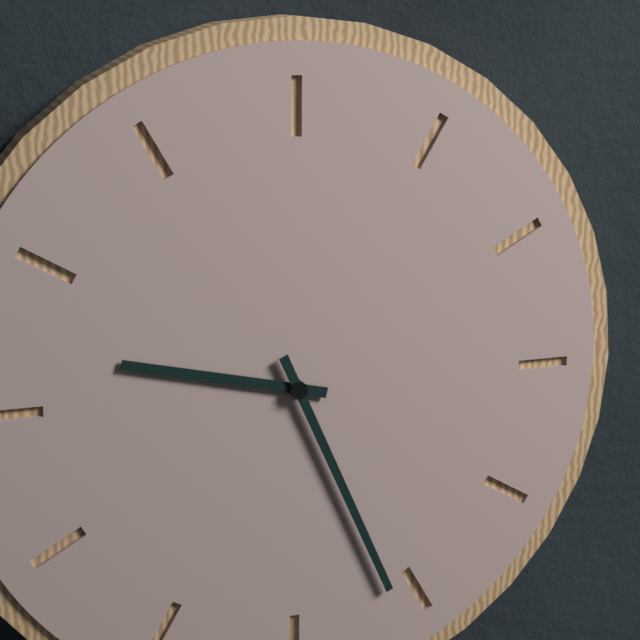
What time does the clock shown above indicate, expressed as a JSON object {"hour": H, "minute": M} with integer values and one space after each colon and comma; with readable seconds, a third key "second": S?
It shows {"hour": 9, "minute": 26}
